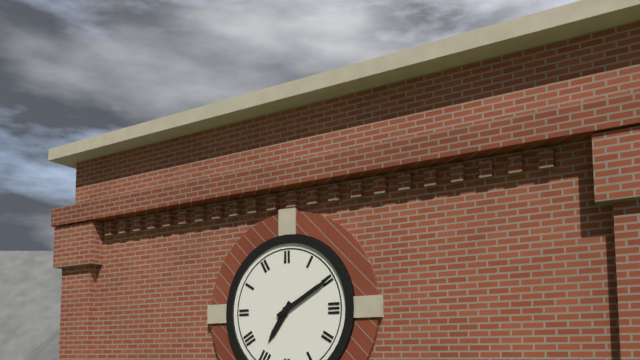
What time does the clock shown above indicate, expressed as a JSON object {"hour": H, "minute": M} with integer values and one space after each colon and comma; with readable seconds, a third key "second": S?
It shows {"hour": 7, "minute": 10}
